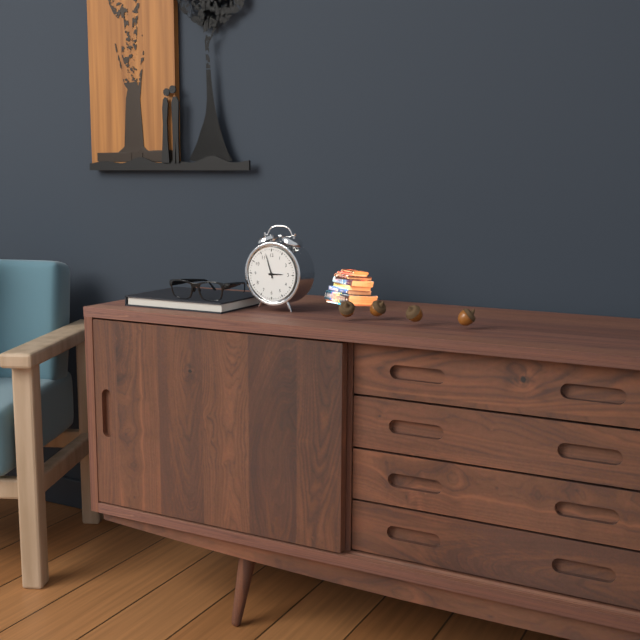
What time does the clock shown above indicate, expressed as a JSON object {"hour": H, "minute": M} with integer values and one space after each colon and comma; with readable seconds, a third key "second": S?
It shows {"hour": 2, "minute": 57}
